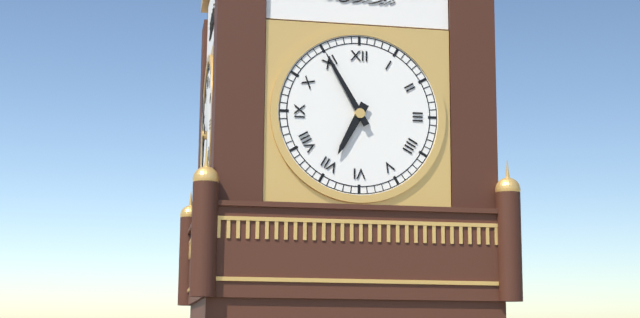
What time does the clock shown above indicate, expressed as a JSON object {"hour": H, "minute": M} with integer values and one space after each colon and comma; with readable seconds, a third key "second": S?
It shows {"hour": 6, "minute": 55}
